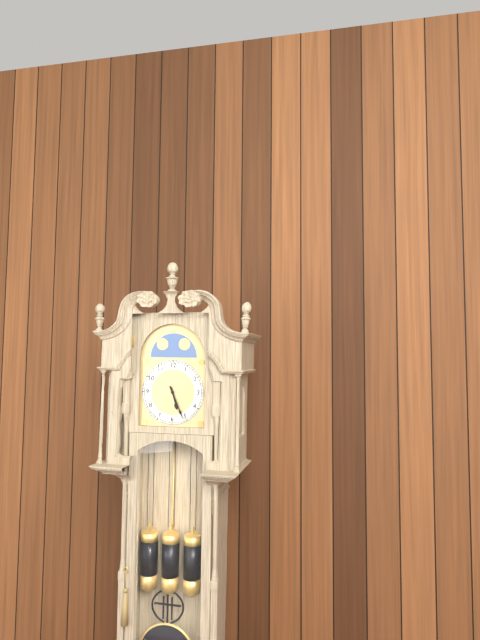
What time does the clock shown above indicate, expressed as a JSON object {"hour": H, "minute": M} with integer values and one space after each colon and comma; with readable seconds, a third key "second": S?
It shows {"hour": 5, "minute": 26}
